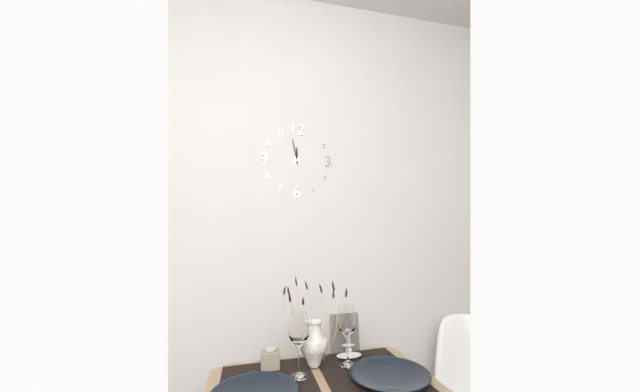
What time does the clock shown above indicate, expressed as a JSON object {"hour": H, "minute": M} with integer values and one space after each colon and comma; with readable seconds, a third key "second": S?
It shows {"hour": 11, "minute": 58}
